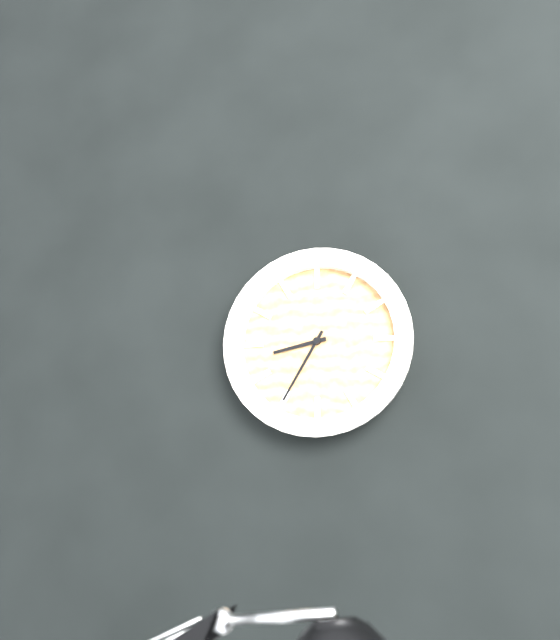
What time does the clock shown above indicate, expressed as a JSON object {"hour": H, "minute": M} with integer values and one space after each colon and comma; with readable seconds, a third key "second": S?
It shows {"hour": 8, "minute": 35}
